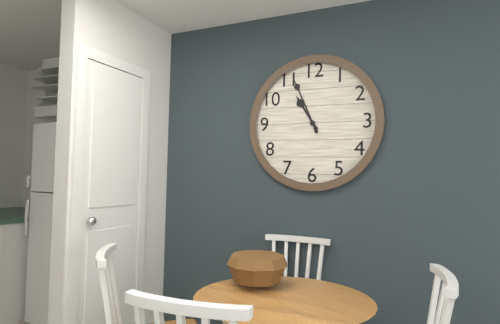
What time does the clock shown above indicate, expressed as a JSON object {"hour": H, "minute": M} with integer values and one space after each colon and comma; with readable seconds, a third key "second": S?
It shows {"hour": 10, "minute": 56}
